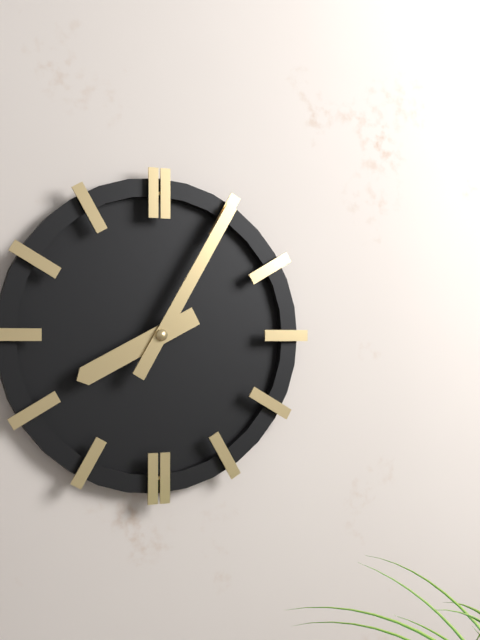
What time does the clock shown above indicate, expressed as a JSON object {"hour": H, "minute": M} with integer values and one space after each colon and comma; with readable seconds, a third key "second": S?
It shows {"hour": 8, "minute": 5}
